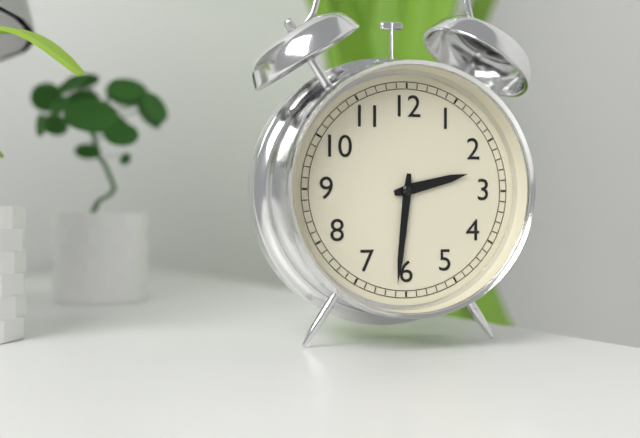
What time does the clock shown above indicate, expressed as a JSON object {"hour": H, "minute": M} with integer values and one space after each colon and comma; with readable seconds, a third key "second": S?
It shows {"hour": 2, "minute": 31}
